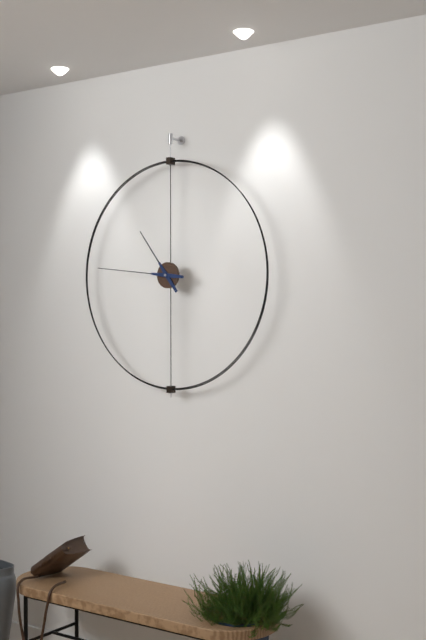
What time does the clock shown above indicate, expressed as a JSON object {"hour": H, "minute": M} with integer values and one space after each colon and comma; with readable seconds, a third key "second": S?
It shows {"hour": 10, "minute": 46}
